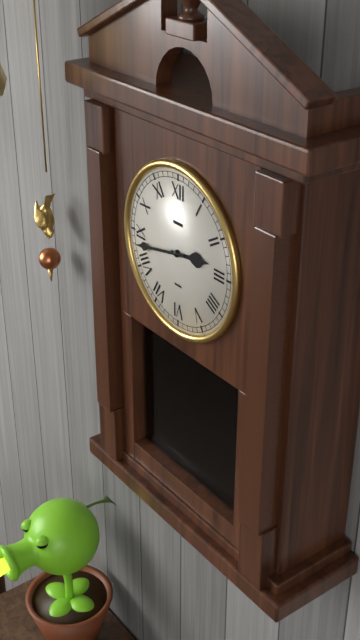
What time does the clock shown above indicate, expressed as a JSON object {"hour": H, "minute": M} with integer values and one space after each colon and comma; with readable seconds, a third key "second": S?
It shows {"hour": 2, "minute": 43}
